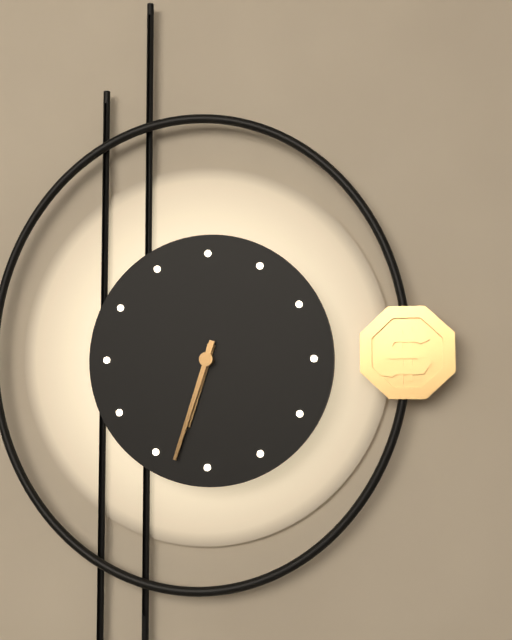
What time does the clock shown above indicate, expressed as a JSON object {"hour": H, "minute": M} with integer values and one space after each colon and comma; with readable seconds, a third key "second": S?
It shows {"hour": 6, "minute": 33}
